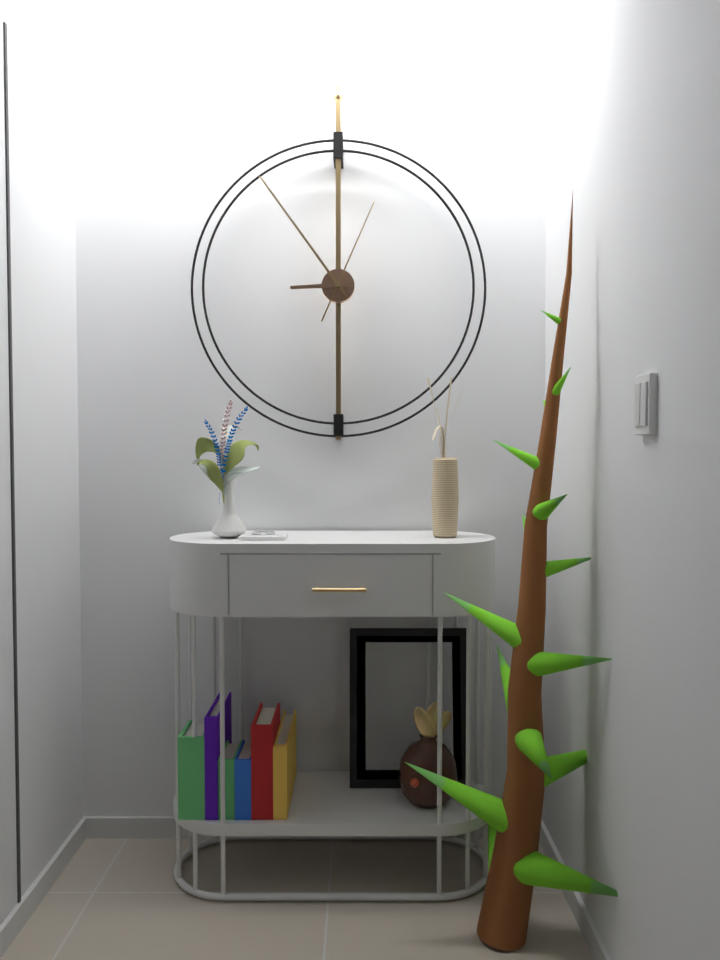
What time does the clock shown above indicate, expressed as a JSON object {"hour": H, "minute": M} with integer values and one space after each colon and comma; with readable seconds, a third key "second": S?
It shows {"hour": 8, "minute": 54, "second": 4}
